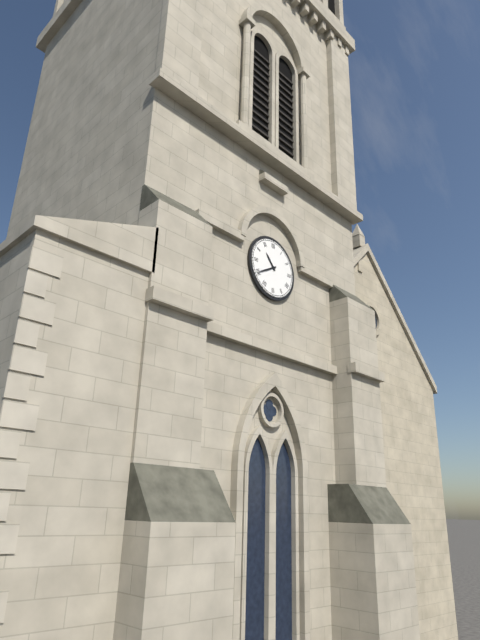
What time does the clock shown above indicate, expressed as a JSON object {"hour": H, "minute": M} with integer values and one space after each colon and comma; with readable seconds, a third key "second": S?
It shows {"hour": 10, "minute": 40}
